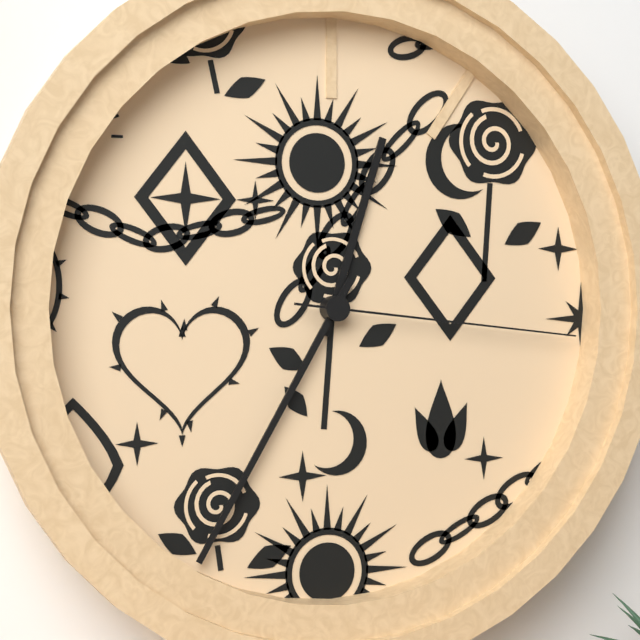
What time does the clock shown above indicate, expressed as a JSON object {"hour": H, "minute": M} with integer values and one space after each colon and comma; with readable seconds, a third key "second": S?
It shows {"hour": 12, "minute": 35, "second": 16}
